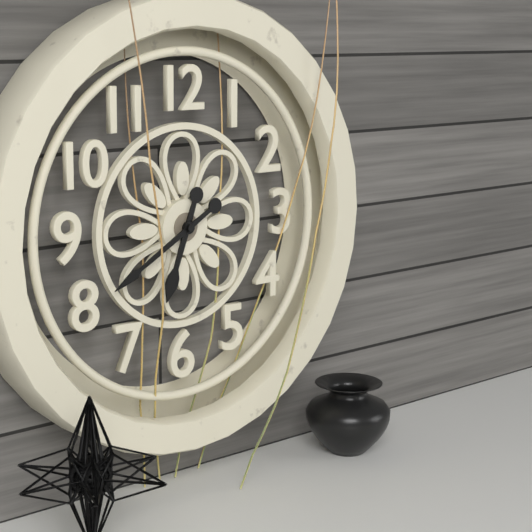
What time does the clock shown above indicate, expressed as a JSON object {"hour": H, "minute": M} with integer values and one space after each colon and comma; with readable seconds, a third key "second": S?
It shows {"hour": 6, "minute": 40}
